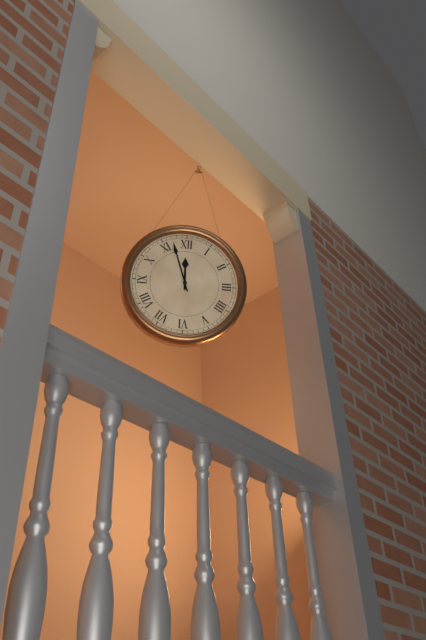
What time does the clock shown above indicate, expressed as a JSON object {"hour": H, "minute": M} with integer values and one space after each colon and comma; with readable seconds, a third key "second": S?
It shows {"hour": 11, "minute": 57}
